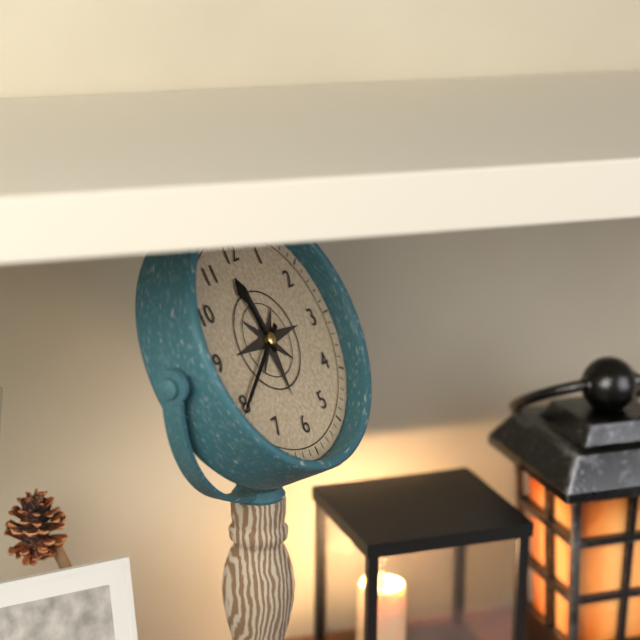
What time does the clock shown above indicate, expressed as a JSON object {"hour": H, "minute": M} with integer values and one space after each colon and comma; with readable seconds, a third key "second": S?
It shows {"hour": 11, "minute": 40}
